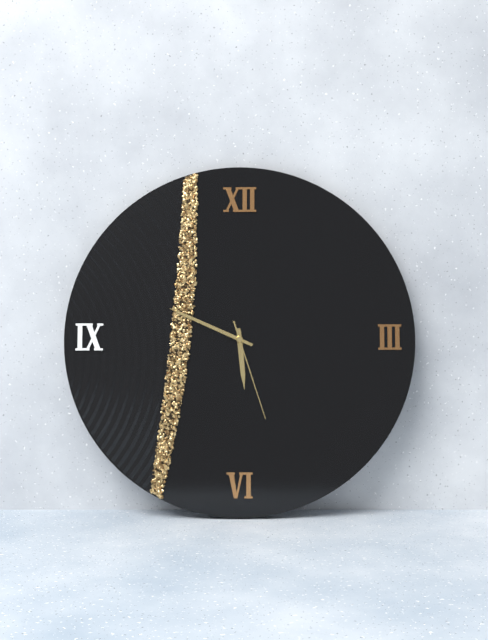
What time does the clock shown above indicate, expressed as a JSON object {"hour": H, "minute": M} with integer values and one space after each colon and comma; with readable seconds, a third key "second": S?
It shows {"hour": 5, "minute": 49, "second": 27}
